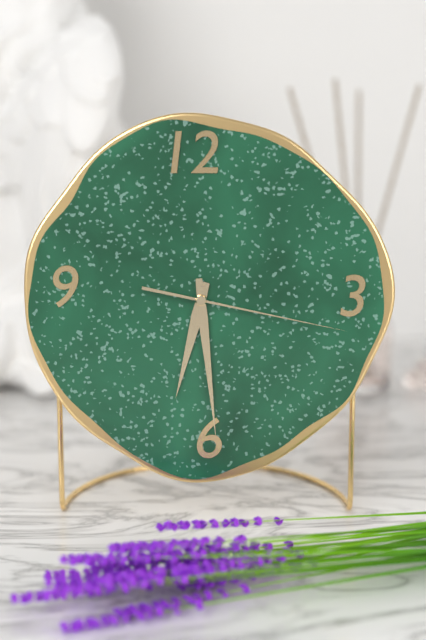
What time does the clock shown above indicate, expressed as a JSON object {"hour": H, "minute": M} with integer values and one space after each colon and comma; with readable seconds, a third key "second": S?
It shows {"hour": 6, "minute": 29, "second": 17}
